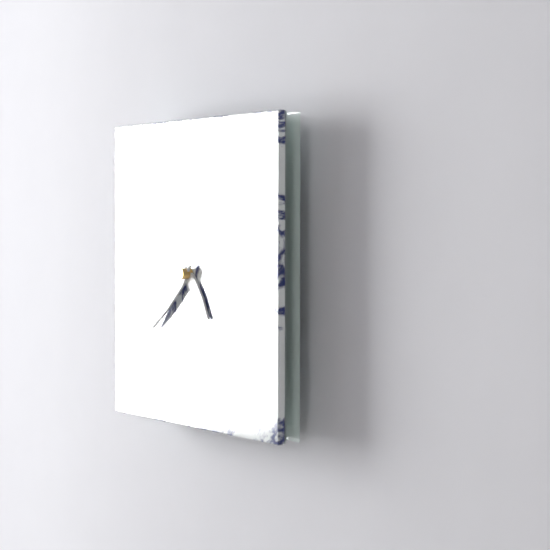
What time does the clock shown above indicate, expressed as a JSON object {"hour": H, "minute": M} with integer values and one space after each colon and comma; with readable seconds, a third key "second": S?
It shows {"hour": 4, "minute": 38}
